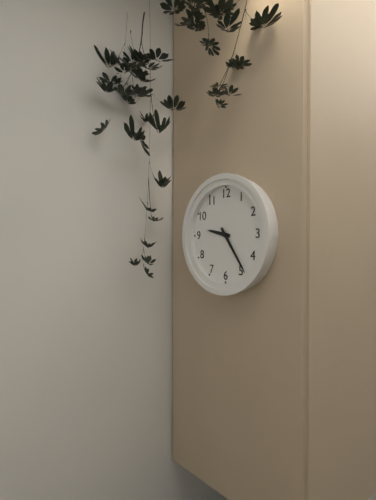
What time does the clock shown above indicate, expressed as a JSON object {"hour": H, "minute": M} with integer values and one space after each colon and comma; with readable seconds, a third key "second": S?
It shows {"hour": 9, "minute": 24}
